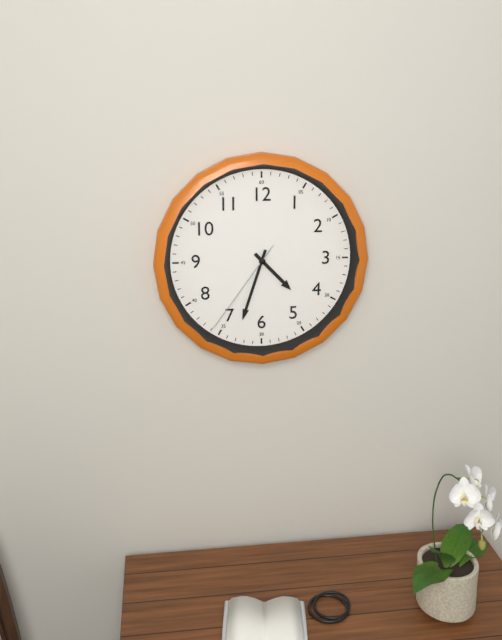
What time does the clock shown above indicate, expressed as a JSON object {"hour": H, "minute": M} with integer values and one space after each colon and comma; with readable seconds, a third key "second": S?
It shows {"hour": 4, "minute": 33, "second": 36}
